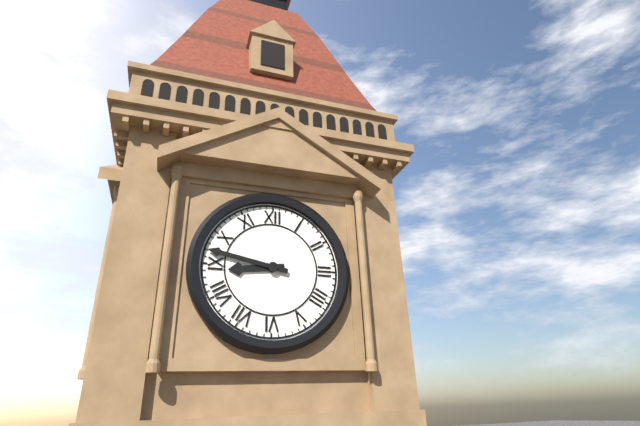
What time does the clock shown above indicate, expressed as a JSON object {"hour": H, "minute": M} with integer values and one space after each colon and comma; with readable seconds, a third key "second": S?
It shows {"hour": 8, "minute": 47}
